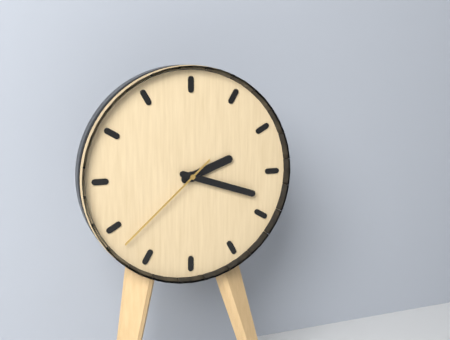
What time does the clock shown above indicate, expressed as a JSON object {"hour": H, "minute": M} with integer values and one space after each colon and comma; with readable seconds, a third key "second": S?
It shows {"hour": 2, "minute": 18, "second": 38}
